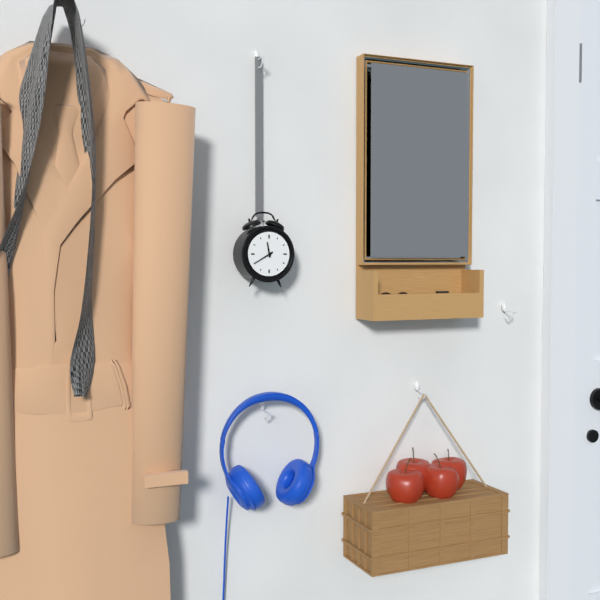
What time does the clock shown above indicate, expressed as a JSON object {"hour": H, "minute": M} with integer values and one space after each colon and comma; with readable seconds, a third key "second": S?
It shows {"hour": 11, "minute": 40}
